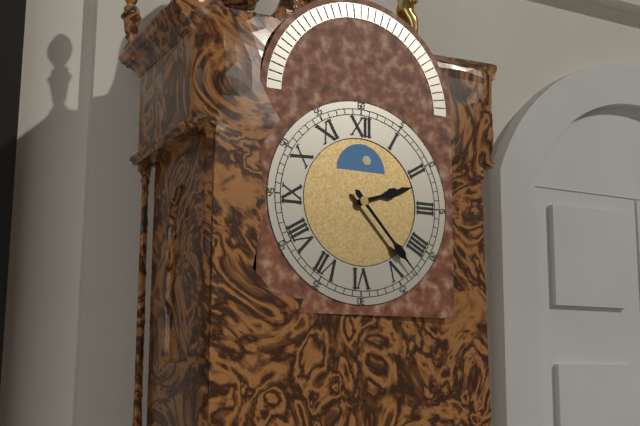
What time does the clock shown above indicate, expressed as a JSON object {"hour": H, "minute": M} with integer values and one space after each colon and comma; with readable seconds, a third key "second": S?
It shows {"hour": 2, "minute": 23}
